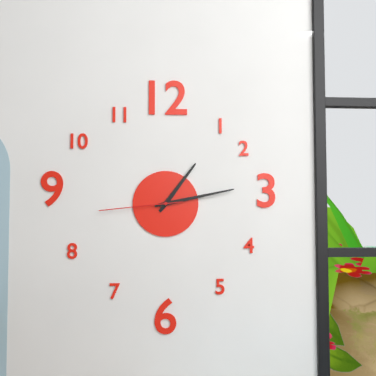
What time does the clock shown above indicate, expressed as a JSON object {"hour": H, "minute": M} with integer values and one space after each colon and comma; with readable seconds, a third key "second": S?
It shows {"hour": 1, "minute": 13, "second": 44}
